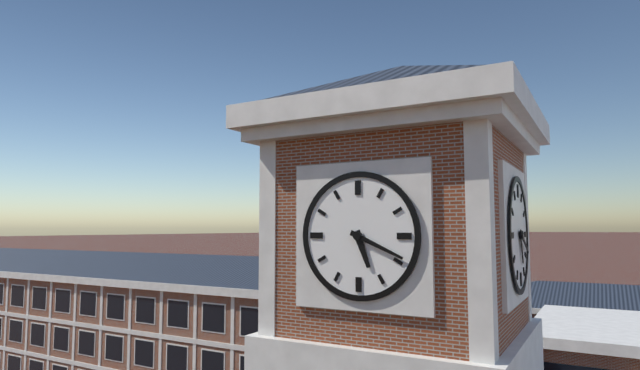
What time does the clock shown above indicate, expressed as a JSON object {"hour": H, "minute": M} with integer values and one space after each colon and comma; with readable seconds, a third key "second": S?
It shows {"hour": 5, "minute": 19}
